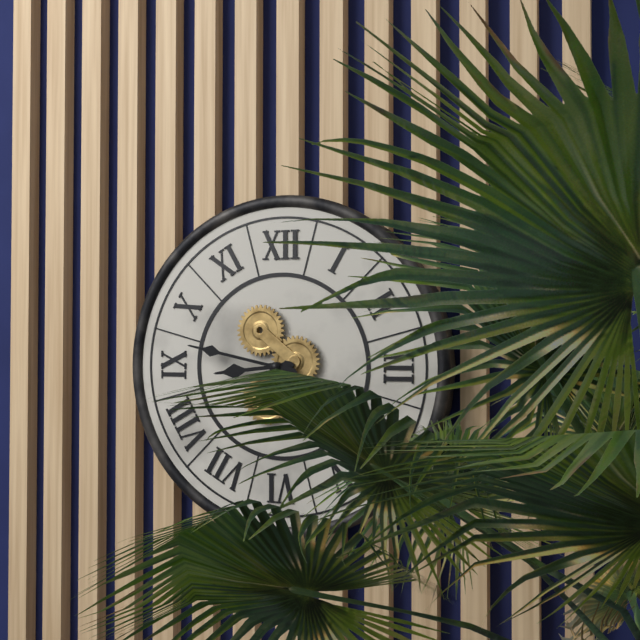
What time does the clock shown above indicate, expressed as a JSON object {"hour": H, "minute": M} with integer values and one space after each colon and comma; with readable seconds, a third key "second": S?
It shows {"hour": 8, "minute": 47}
